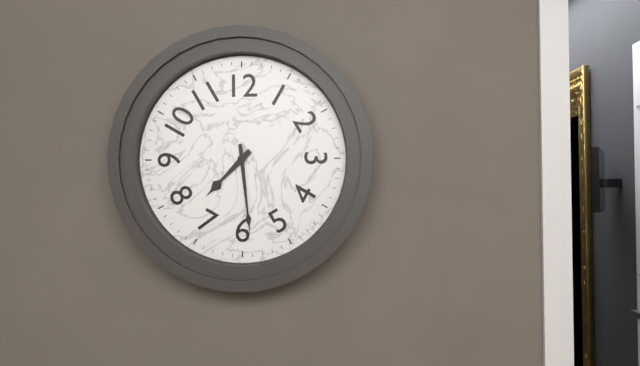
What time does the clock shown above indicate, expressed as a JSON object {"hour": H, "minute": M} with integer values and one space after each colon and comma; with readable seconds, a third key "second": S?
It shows {"hour": 7, "minute": 29}
